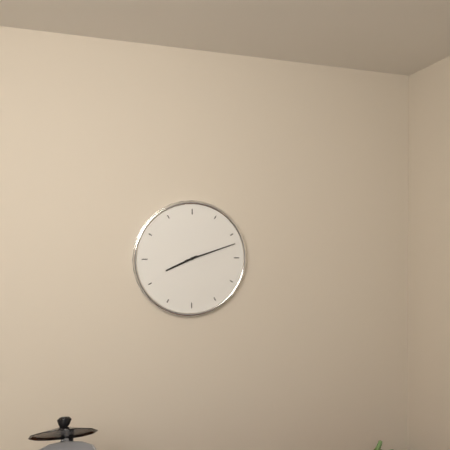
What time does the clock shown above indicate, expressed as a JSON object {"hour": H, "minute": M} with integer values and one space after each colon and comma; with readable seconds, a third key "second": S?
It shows {"hour": 8, "minute": 12}
